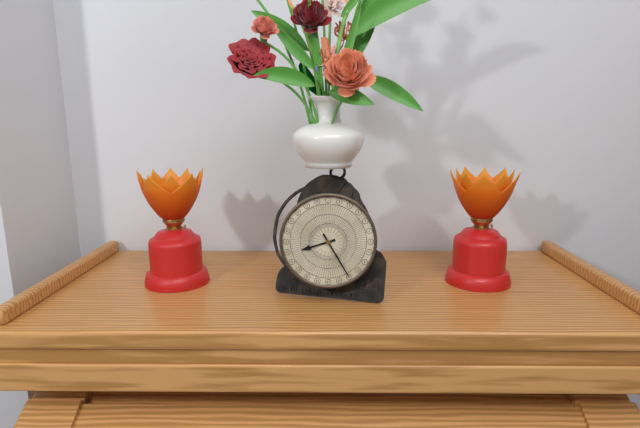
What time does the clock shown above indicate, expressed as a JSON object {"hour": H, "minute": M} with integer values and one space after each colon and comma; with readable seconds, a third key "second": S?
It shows {"hour": 8, "minute": 25}
